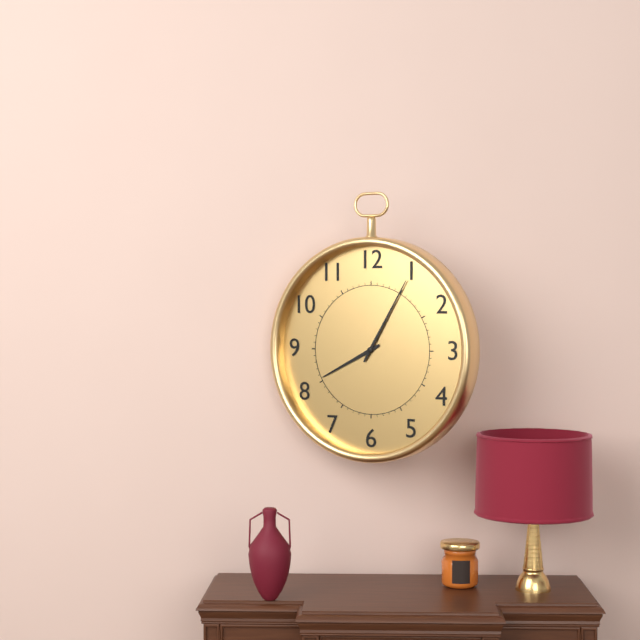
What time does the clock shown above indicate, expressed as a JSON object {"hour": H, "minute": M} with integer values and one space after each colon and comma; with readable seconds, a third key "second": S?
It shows {"hour": 8, "minute": 5}
